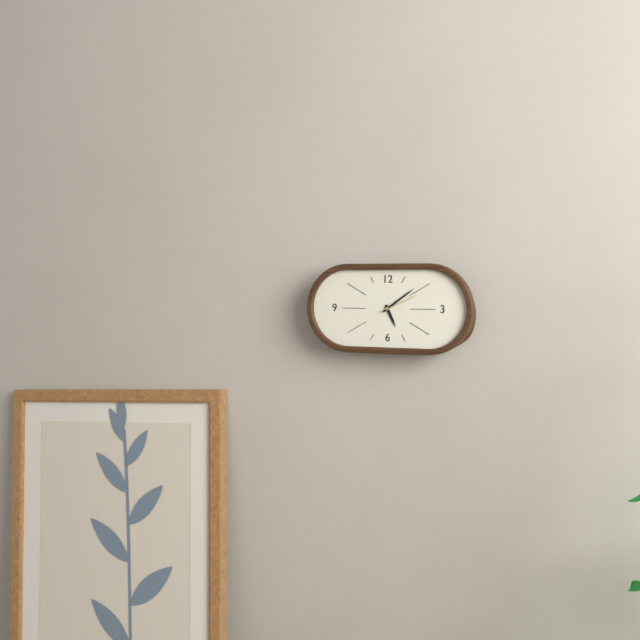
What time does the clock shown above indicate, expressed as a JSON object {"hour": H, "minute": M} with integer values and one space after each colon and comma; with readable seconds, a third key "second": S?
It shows {"hour": 5, "minute": 9}
